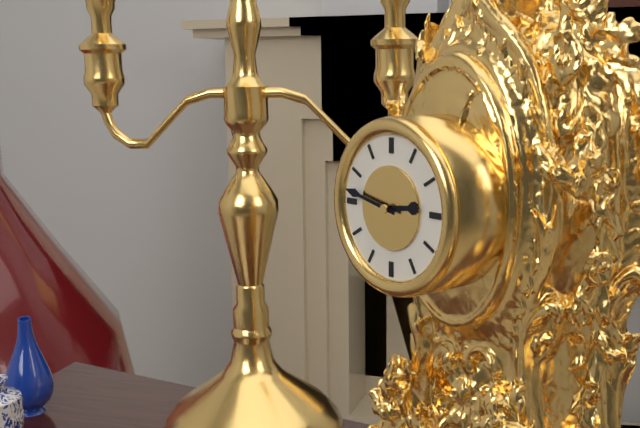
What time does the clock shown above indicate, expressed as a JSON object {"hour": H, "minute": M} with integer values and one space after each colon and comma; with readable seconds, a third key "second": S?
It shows {"hour": 2, "minute": 47}
